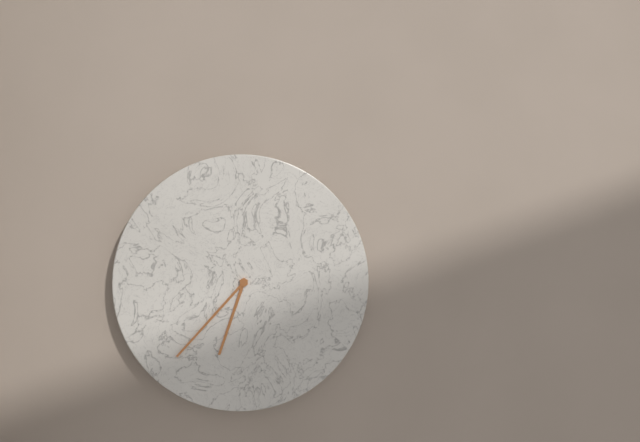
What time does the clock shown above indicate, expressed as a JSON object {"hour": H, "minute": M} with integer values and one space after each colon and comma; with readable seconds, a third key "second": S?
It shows {"hour": 6, "minute": 37}
